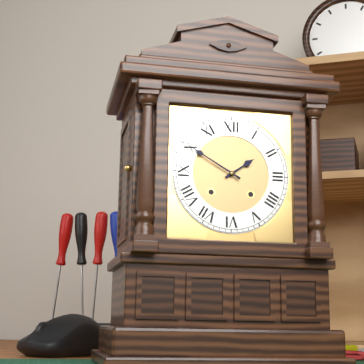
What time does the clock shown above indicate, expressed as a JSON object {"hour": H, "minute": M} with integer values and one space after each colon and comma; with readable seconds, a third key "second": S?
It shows {"hour": 1, "minute": 50}
